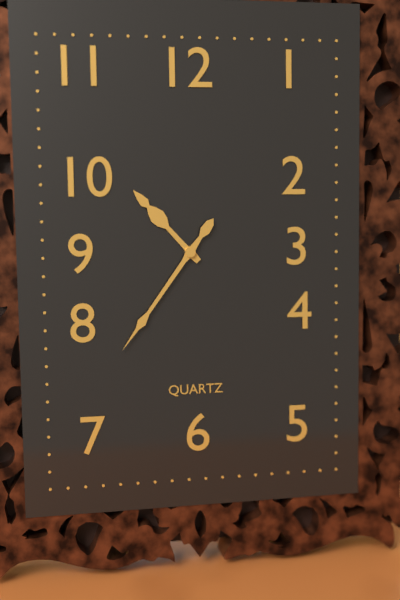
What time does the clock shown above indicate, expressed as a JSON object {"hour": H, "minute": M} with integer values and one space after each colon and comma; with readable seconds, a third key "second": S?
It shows {"hour": 10, "minute": 36}
